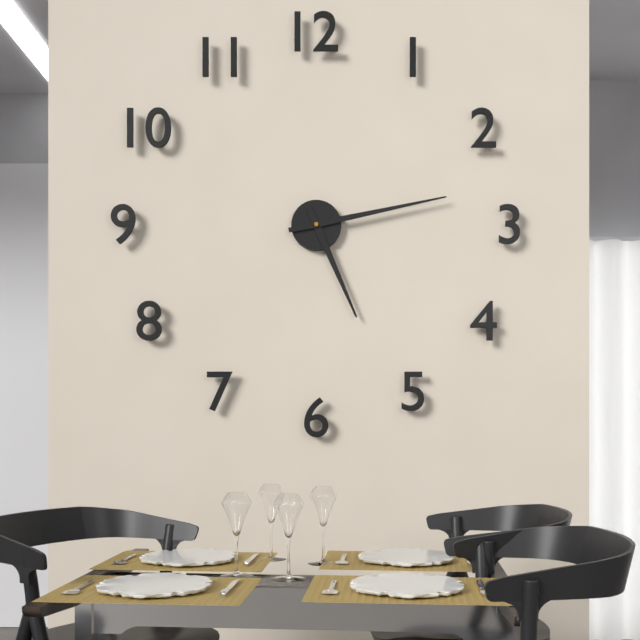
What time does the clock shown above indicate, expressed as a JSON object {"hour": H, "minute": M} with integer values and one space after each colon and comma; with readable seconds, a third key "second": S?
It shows {"hour": 5, "minute": 13}
